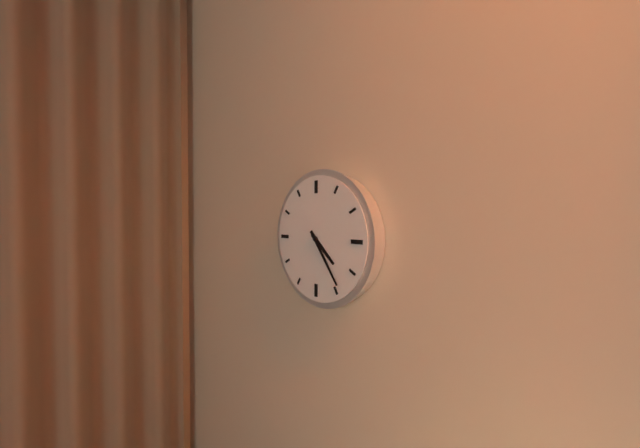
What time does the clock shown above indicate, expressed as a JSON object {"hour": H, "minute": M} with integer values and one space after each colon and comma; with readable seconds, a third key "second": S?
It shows {"hour": 4, "minute": 24}
